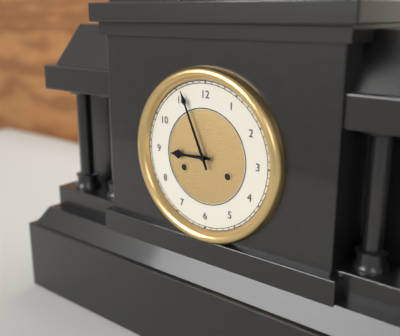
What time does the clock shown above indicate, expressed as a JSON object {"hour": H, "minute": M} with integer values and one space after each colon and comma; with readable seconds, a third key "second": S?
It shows {"hour": 8, "minute": 56}
